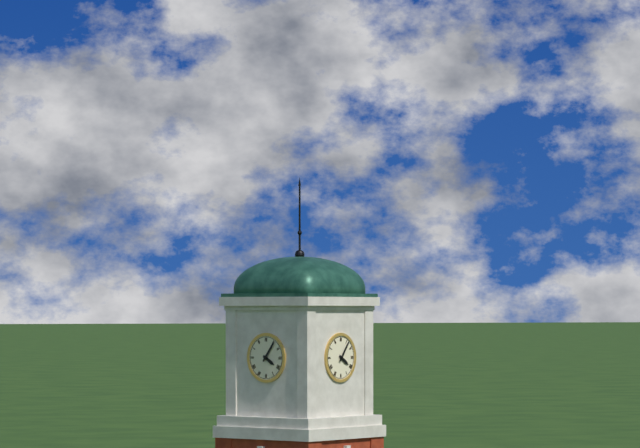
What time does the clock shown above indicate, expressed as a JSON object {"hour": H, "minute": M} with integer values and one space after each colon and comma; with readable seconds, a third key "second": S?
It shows {"hour": 4, "minute": 6}
